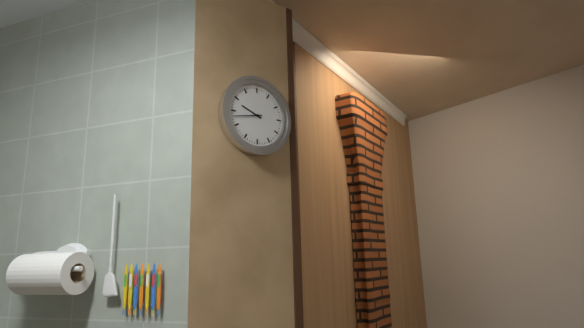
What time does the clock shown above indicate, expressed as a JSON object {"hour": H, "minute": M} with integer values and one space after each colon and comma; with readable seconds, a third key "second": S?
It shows {"hour": 9, "minute": 43}
